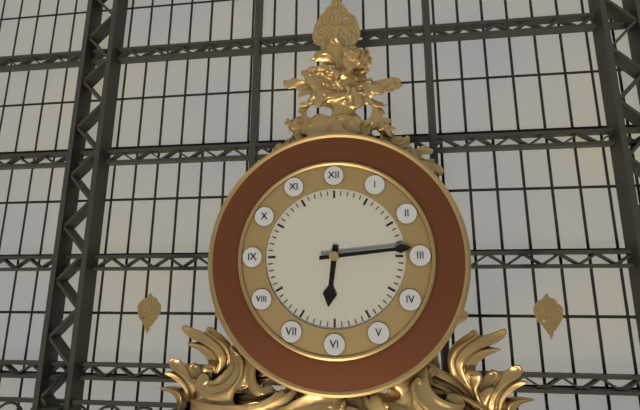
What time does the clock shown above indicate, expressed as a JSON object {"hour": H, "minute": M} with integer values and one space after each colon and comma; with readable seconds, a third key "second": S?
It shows {"hour": 6, "minute": 14}
